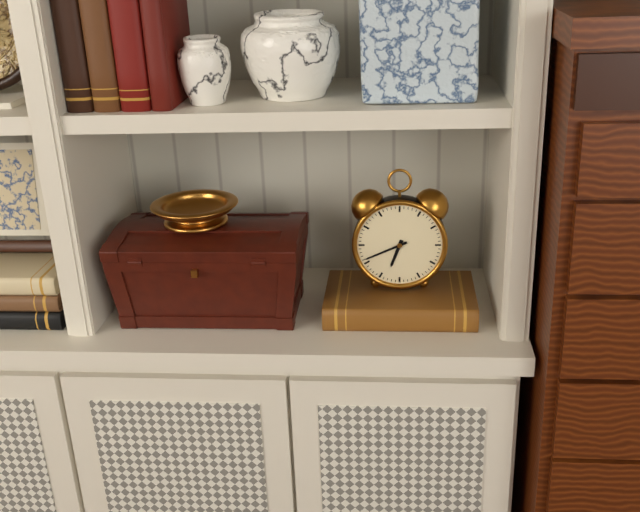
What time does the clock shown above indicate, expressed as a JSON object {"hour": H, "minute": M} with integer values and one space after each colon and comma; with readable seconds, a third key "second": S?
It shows {"hour": 6, "minute": 41}
